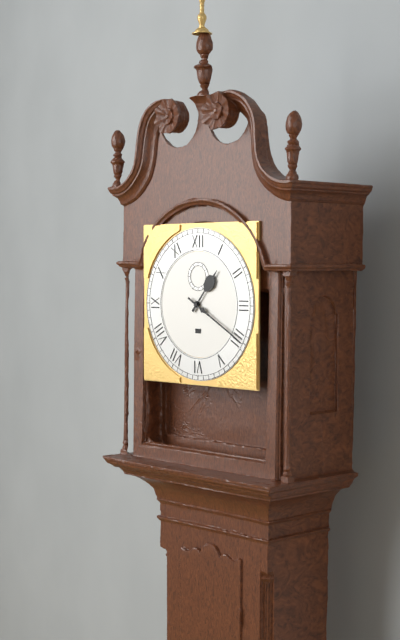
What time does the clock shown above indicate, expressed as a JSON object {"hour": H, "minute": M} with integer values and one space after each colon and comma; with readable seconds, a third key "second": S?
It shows {"hour": 1, "minute": 20}
